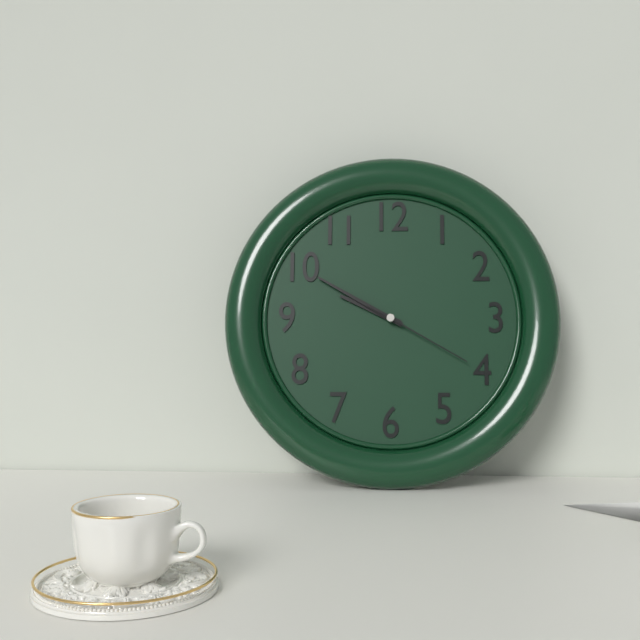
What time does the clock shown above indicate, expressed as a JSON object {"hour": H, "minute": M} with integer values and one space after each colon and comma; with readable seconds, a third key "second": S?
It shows {"hour": 9, "minute": 50, "second": 20}
